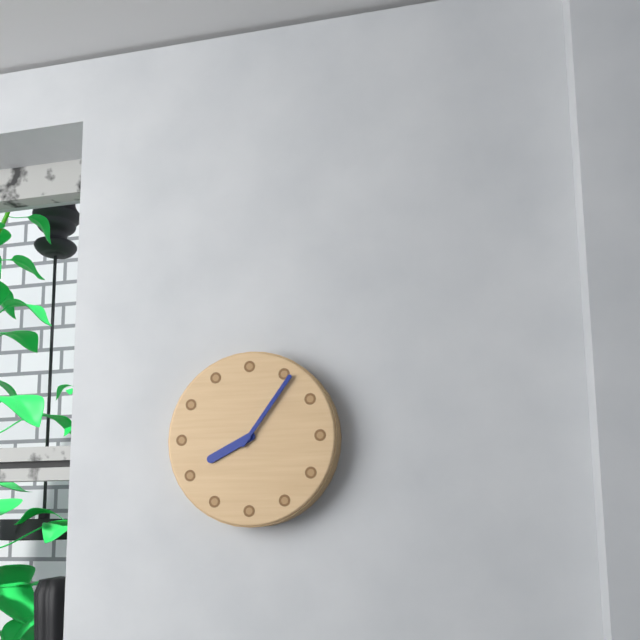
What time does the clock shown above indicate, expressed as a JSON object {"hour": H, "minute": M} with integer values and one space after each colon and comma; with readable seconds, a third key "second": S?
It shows {"hour": 8, "minute": 6}
